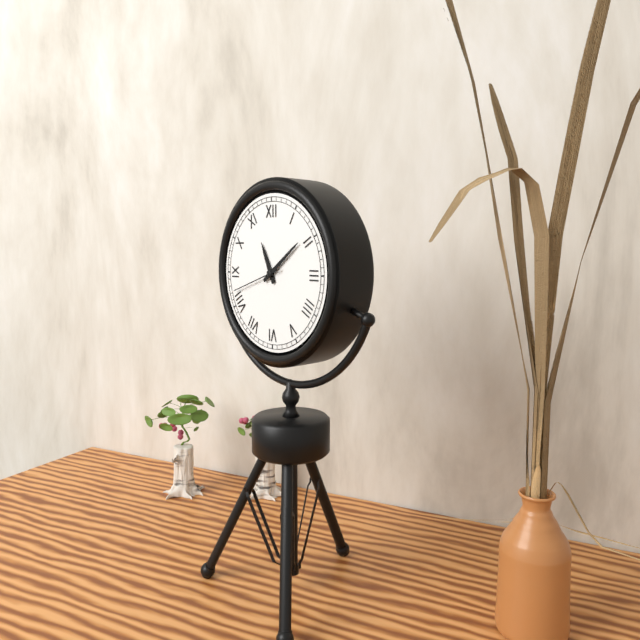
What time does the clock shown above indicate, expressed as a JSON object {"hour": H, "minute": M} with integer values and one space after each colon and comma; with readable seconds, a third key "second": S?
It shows {"hour": 11, "minute": 9, "second": 42}
